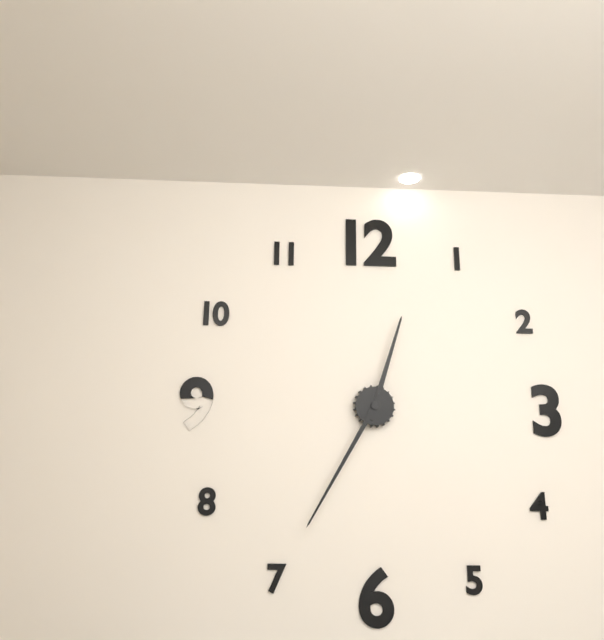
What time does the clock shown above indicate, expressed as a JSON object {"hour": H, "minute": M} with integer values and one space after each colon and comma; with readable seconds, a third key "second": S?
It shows {"hour": 12, "minute": 35}
